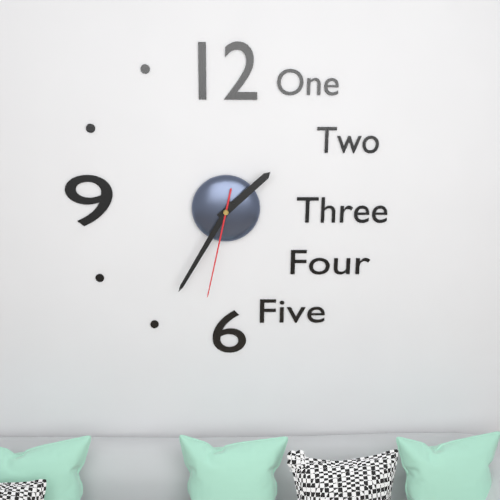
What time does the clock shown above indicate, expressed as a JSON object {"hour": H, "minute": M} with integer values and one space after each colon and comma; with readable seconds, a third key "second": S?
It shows {"hour": 1, "minute": 35, "second": 32}
